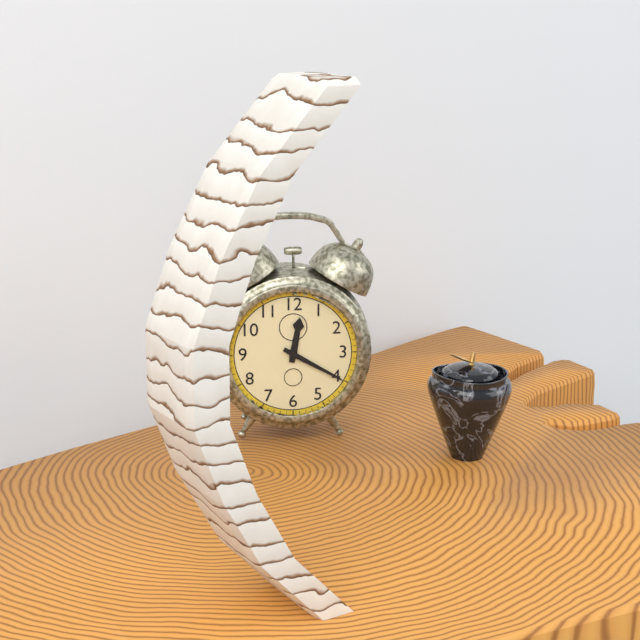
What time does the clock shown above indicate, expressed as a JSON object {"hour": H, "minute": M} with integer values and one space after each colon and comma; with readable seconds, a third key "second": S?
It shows {"hour": 12, "minute": 20}
